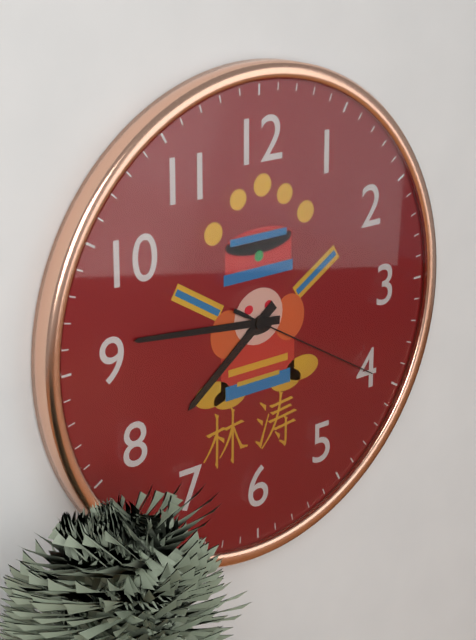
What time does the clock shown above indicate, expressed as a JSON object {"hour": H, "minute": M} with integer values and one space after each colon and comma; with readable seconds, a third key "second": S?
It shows {"hour": 7, "minute": 46, "second": 20}
